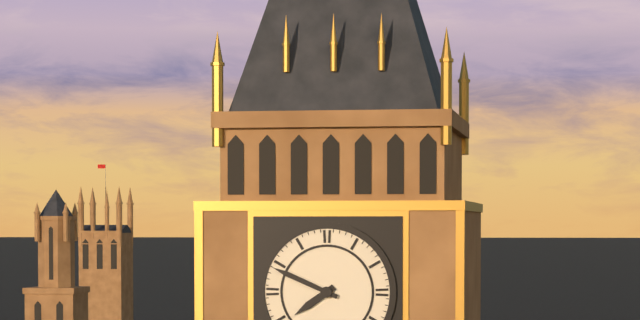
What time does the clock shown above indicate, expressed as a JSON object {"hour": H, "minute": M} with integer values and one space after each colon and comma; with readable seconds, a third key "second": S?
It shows {"hour": 7, "minute": 49}
